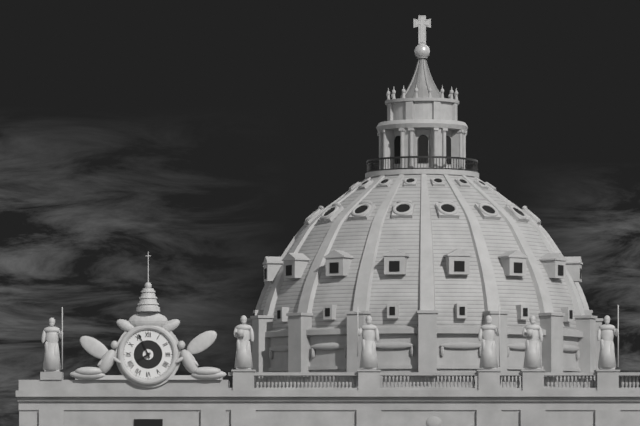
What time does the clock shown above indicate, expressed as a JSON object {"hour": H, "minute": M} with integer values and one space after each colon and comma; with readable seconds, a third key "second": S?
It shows {"hour": 7, "minute": 56}
